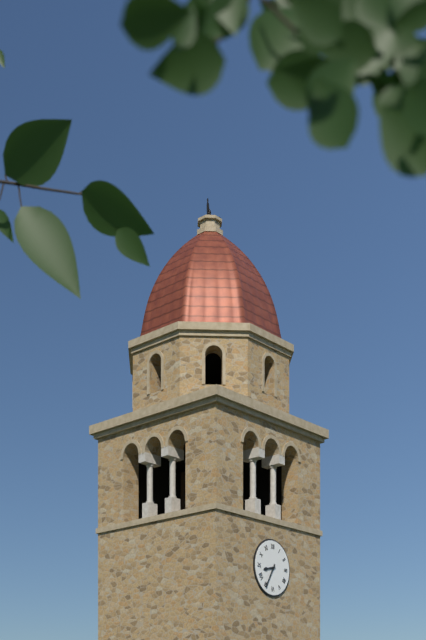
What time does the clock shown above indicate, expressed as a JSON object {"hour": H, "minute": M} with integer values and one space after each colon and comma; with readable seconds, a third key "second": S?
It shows {"hour": 8, "minute": 35}
